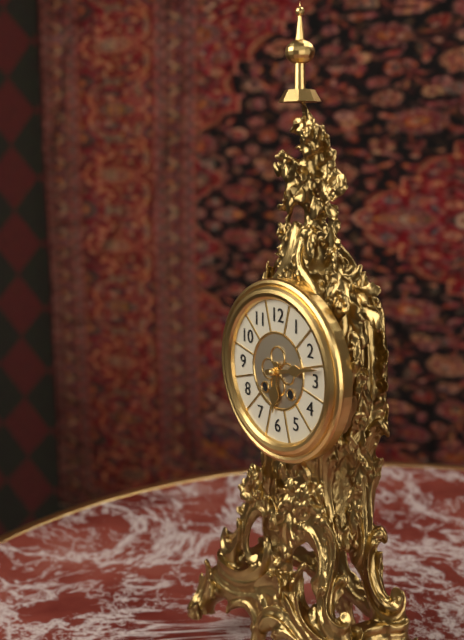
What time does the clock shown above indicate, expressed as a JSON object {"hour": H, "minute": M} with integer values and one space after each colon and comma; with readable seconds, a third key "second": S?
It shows {"hour": 6, "minute": 13}
